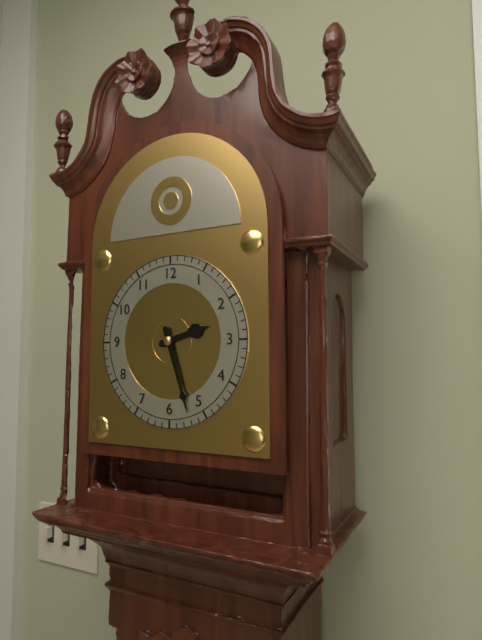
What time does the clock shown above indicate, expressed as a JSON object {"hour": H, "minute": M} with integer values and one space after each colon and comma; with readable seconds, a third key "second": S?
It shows {"hour": 2, "minute": 27}
